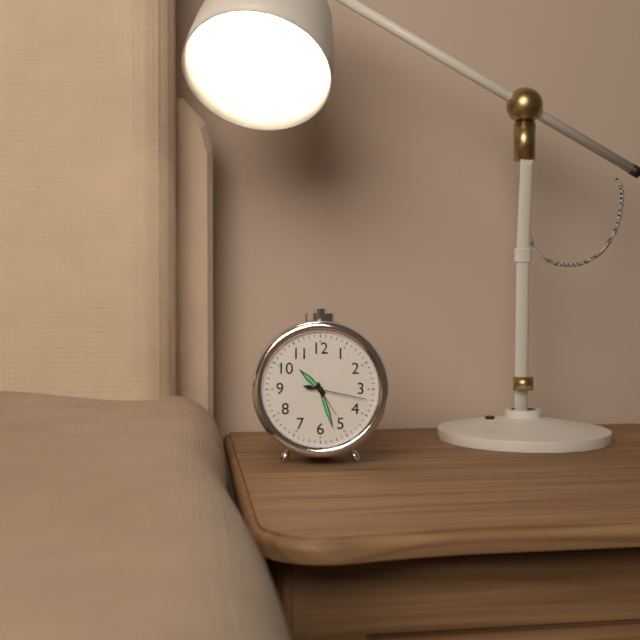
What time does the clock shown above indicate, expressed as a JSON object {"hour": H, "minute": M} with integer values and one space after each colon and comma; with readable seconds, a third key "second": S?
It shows {"hour": 10, "minute": 27, "second": 17}
